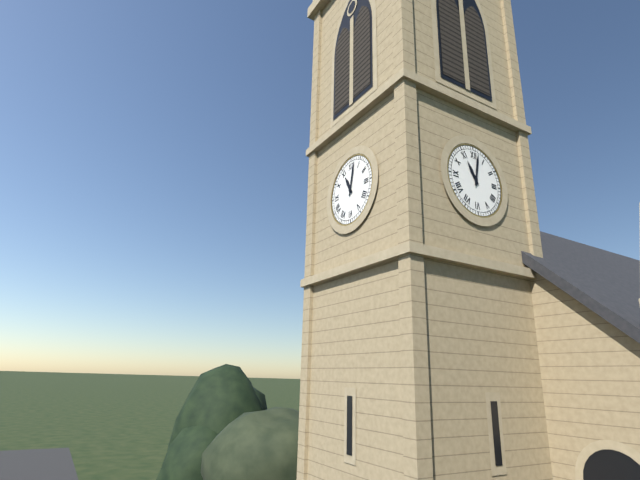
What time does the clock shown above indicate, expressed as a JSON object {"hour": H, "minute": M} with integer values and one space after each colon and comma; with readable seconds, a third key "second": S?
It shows {"hour": 11, "minute": 2}
